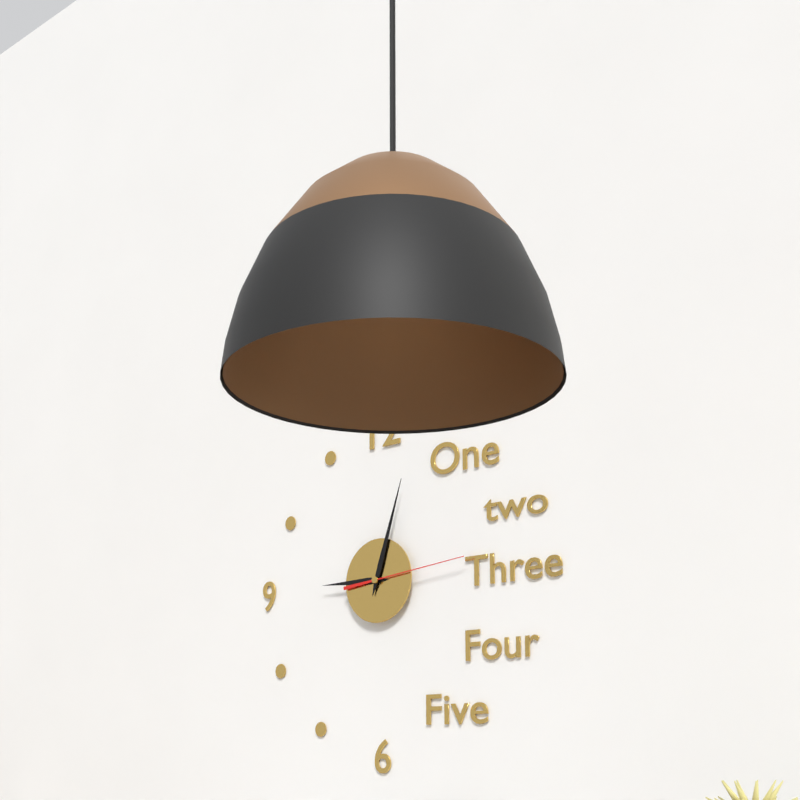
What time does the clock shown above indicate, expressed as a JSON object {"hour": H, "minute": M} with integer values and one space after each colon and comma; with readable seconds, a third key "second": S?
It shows {"hour": 9, "minute": 3, "second": 14}
